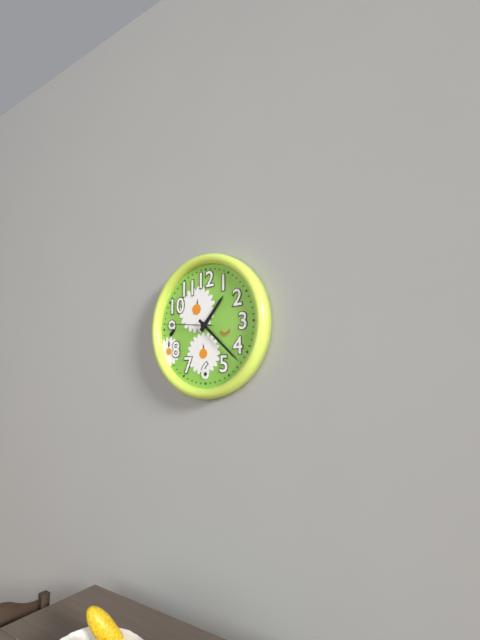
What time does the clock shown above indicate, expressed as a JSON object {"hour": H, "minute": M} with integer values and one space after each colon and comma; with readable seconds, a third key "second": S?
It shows {"hour": 1, "minute": 22, "second": 46}
